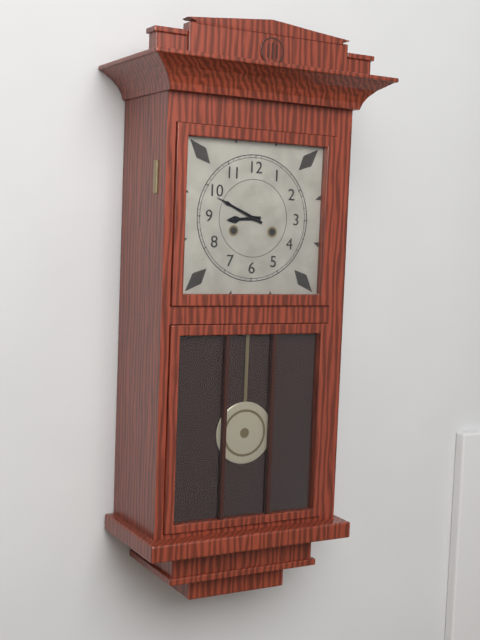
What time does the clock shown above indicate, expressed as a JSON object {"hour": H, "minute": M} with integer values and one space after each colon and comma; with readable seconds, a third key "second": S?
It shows {"hour": 8, "minute": 49}
